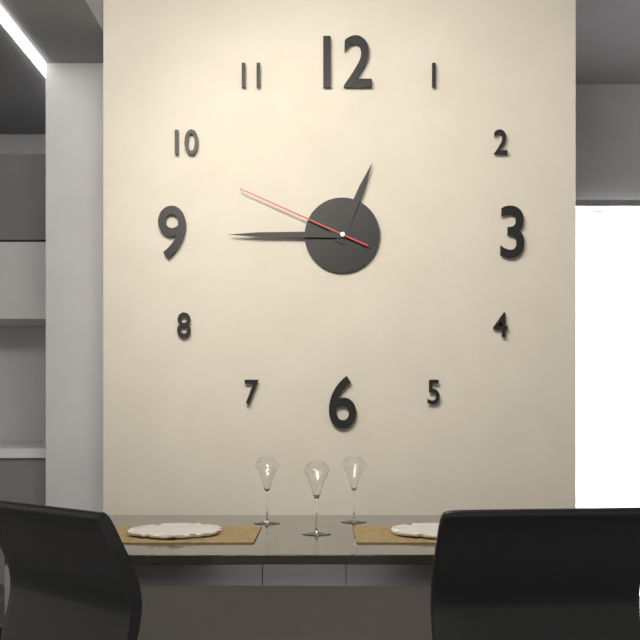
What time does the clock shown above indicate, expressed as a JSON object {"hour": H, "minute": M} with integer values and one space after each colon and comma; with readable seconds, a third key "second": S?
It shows {"hour": 12, "minute": 45, "second": 49}
